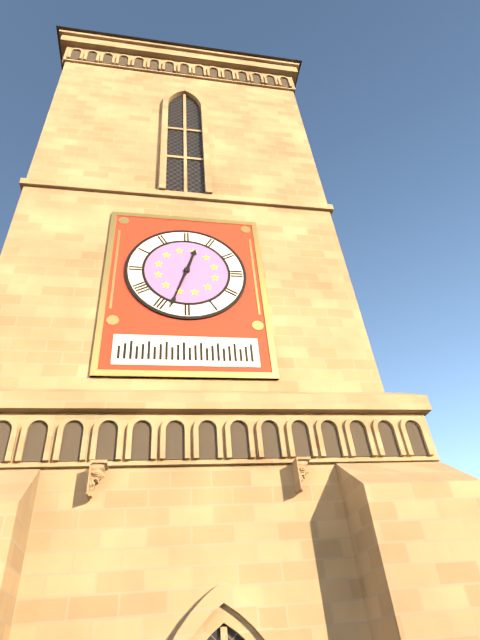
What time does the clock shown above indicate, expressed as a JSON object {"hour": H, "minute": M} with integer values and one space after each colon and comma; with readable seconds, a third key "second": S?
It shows {"hour": 12, "minute": 33}
